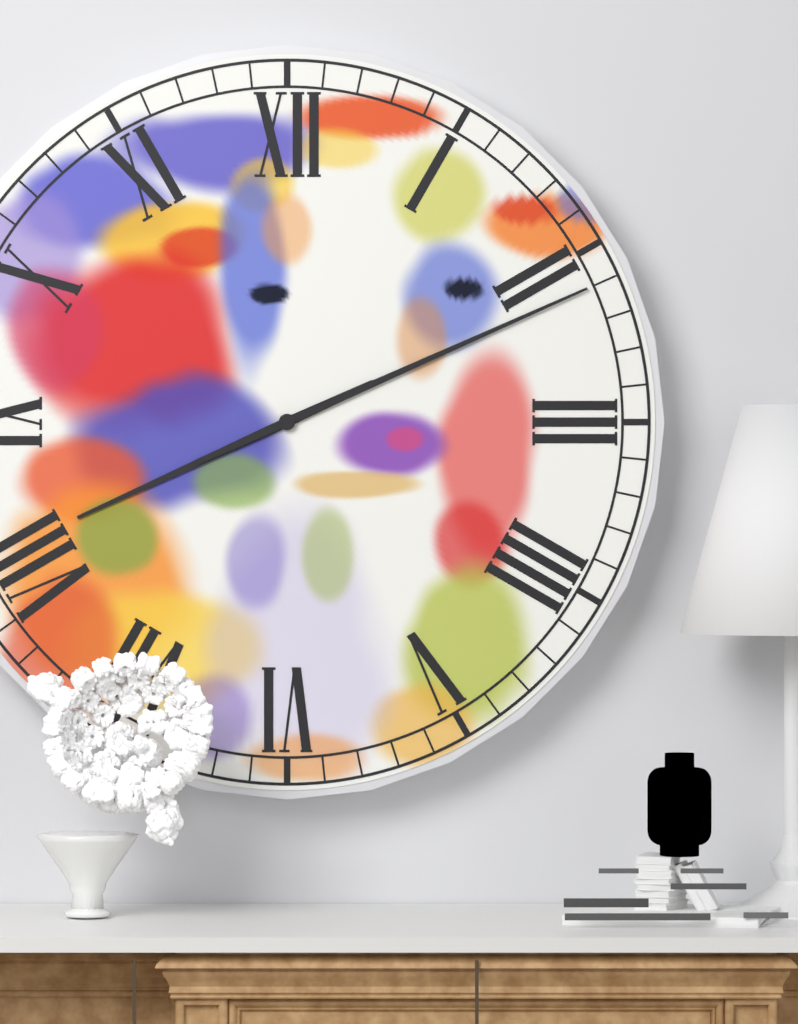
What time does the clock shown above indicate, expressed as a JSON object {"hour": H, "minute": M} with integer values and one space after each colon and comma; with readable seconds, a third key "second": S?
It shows {"hour": 8, "minute": 11}
